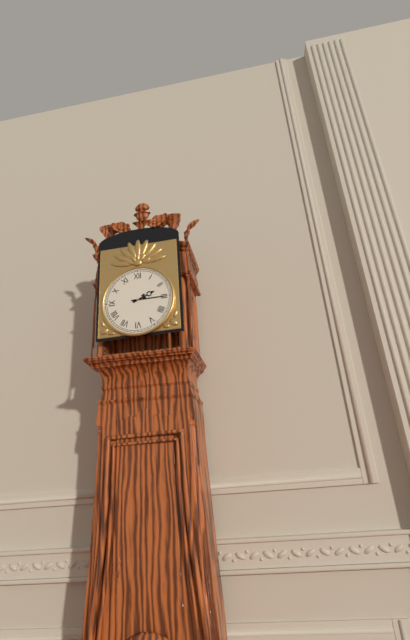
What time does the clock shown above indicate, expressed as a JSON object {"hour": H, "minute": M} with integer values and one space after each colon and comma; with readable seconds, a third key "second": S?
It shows {"hour": 2, "minute": 15}
